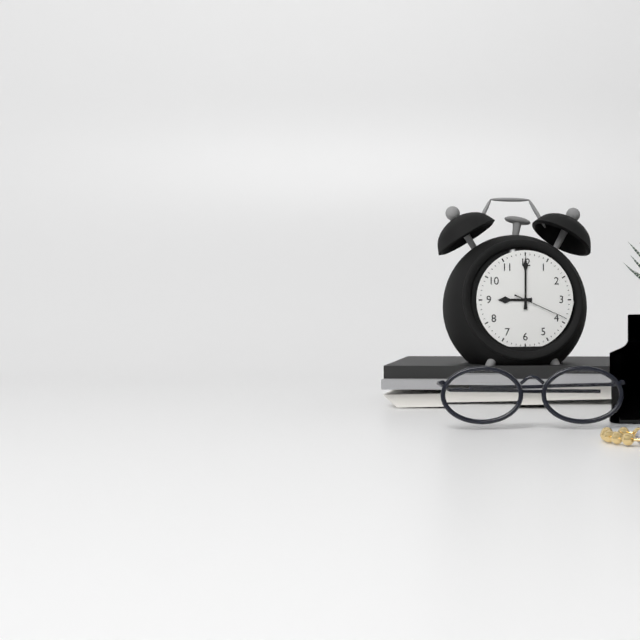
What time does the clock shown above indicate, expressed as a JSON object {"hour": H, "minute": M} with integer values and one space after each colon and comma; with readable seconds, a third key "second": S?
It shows {"hour": 9, "minute": 0, "second": 19}
